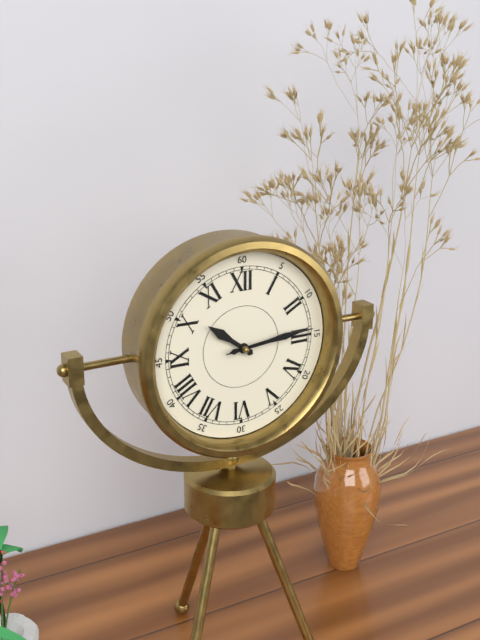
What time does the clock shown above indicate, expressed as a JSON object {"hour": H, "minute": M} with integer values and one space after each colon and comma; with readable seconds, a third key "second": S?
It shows {"hour": 10, "minute": 14, "second": 14}
